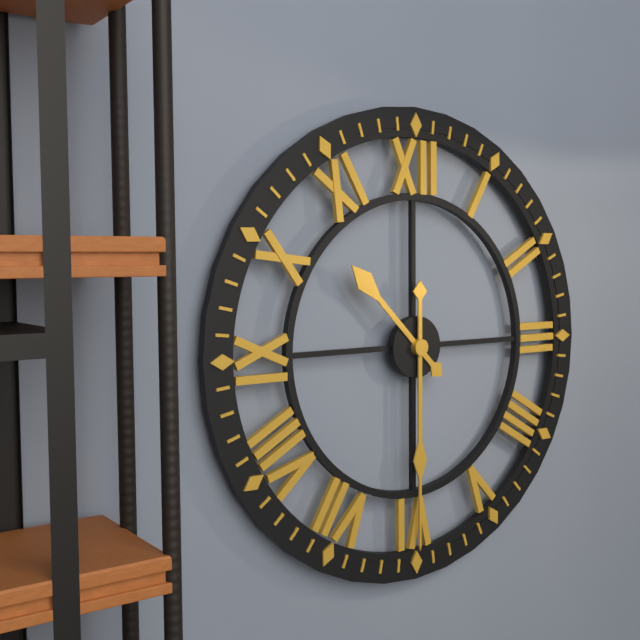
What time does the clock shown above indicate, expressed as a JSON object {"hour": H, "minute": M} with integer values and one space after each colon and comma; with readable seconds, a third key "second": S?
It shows {"hour": 10, "minute": 30}
